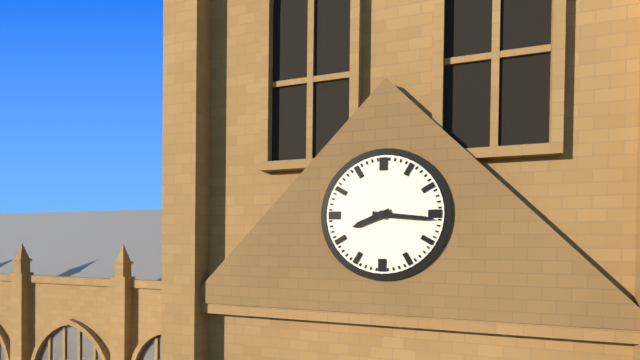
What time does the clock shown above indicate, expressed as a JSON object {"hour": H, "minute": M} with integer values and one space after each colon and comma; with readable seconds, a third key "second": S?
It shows {"hour": 8, "minute": 16}
